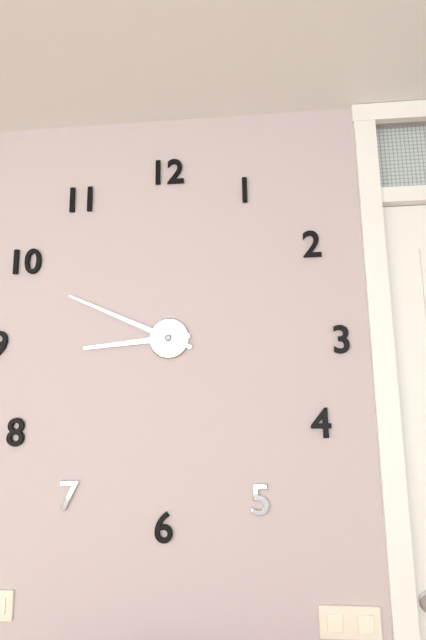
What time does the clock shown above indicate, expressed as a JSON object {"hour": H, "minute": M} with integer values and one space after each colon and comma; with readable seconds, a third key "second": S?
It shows {"hour": 8, "minute": 49}
